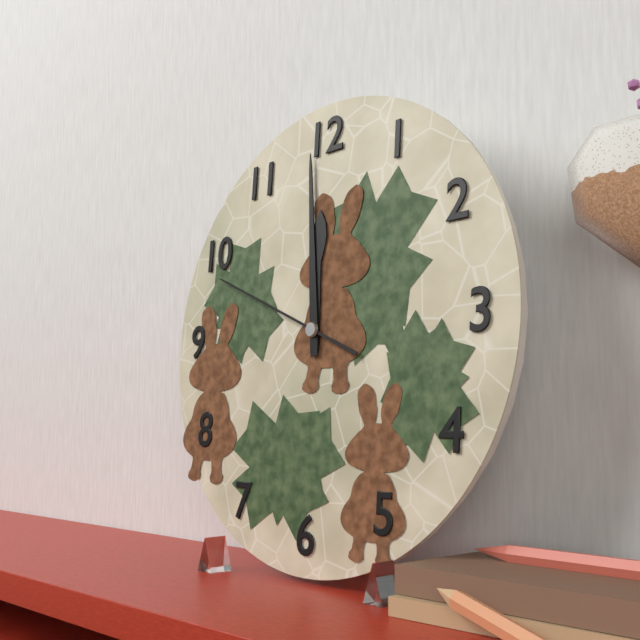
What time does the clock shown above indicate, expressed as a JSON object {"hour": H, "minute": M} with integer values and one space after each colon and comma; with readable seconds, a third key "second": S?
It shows {"hour": 11, "minute": 59, "second": 49}
